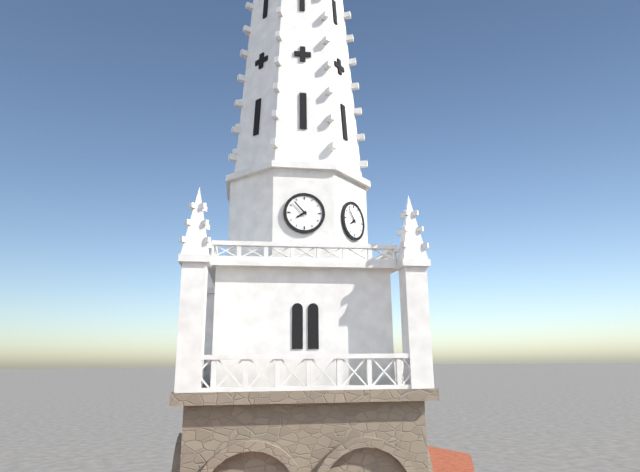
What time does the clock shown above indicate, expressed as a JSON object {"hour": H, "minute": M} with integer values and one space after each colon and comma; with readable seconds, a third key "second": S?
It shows {"hour": 7, "minute": 53}
